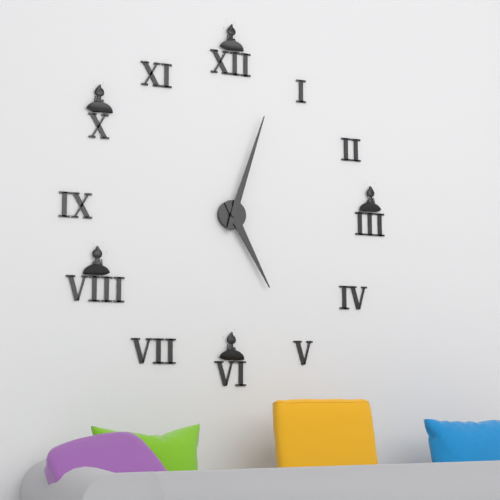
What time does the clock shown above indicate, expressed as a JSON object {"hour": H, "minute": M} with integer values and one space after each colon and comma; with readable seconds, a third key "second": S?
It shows {"hour": 5, "minute": 3}
